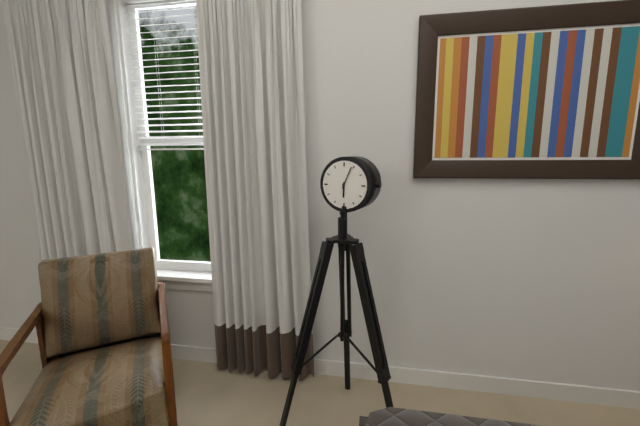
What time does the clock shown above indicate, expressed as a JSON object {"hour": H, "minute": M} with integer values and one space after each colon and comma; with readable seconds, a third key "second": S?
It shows {"hour": 6, "minute": 4}
